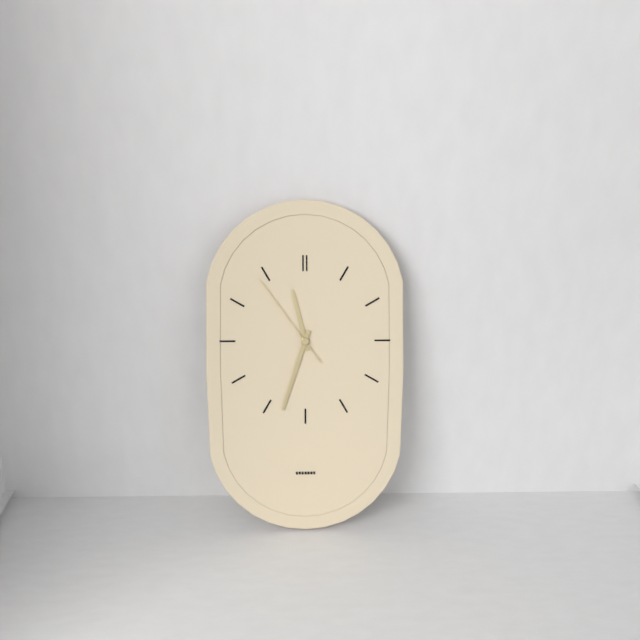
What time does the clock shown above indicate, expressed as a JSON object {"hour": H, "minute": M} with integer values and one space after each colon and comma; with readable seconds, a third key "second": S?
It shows {"hour": 11, "minute": 33, "second": 54}
